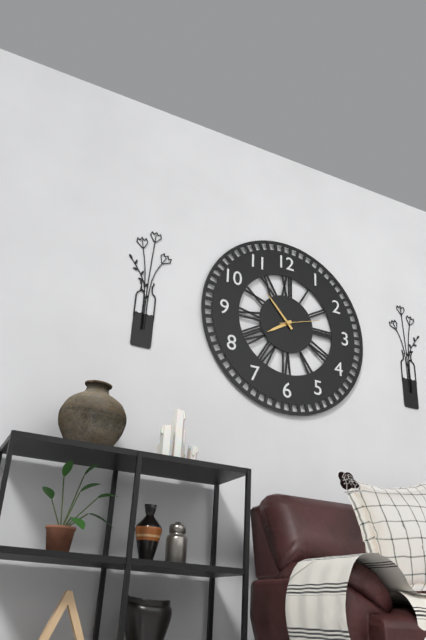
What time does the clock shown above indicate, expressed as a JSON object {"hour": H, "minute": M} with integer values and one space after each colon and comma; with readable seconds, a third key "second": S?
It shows {"hour": 7, "minute": 53}
